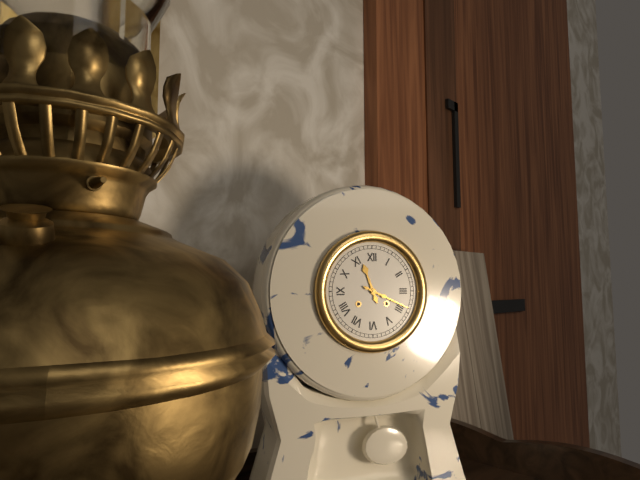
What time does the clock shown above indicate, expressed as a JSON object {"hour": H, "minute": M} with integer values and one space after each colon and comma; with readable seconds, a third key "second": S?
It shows {"hour": 11, "minute": 19}
